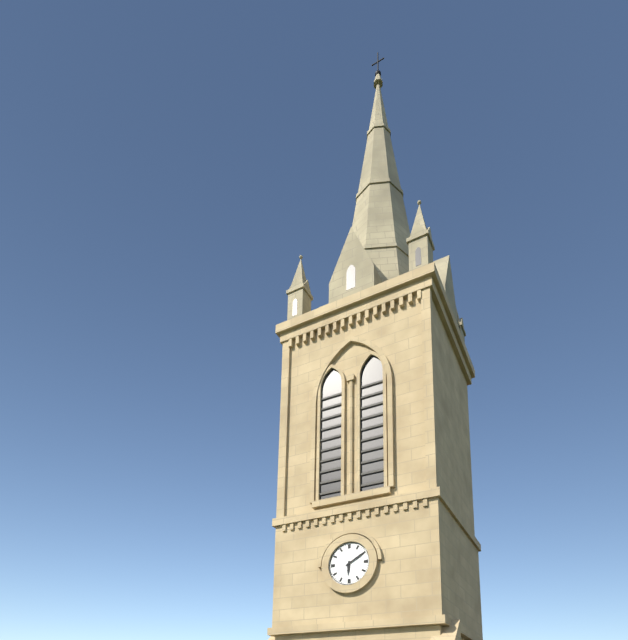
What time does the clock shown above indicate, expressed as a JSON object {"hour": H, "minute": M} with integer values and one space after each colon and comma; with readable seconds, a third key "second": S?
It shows {"hour": 6, "minute": 10}
